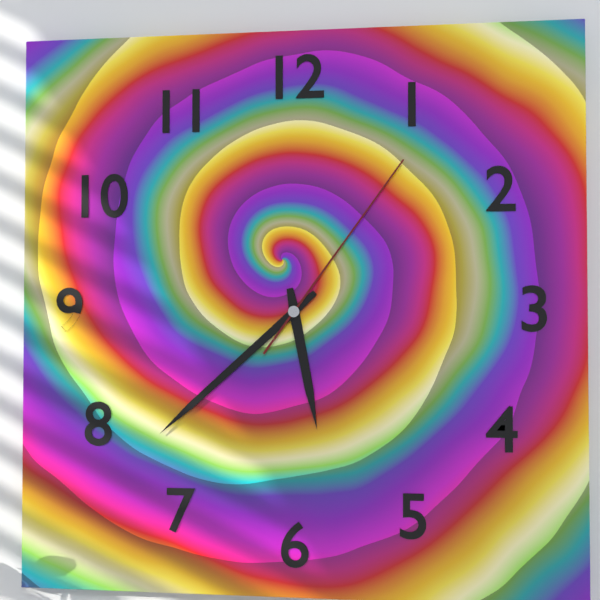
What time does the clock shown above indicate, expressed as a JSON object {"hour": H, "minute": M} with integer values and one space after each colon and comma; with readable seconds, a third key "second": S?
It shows {"hour": 5, "minute": 38, "second": 6}
